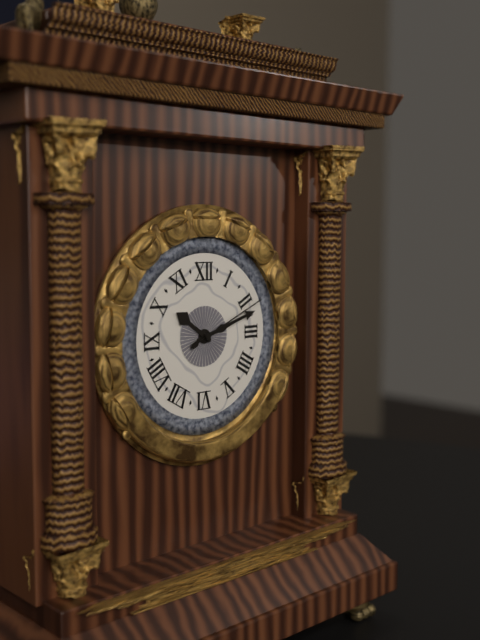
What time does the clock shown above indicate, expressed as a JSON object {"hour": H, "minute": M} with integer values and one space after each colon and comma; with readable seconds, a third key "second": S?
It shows {"hour": 10, "minute": 12, "second": 11}
